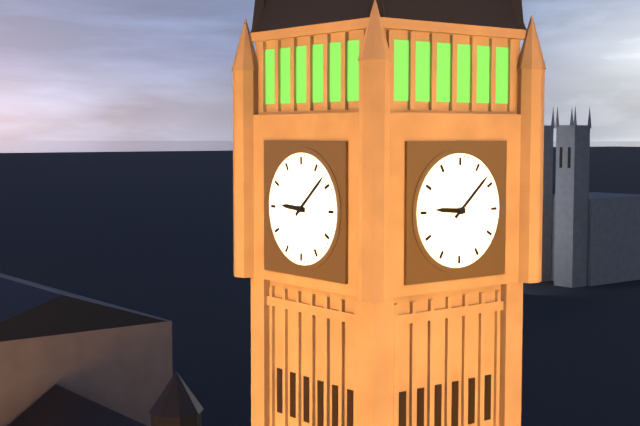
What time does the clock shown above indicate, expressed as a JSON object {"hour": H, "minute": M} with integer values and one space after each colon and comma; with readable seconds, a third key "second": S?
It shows {"hour": 9, "minute": 8}
